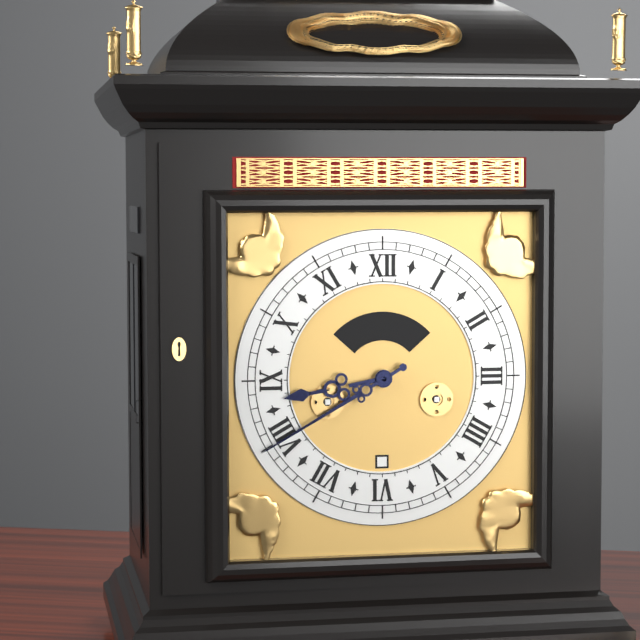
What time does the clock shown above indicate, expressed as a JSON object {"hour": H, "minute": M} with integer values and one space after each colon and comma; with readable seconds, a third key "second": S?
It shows {"hour": 8, "minute": 40}
